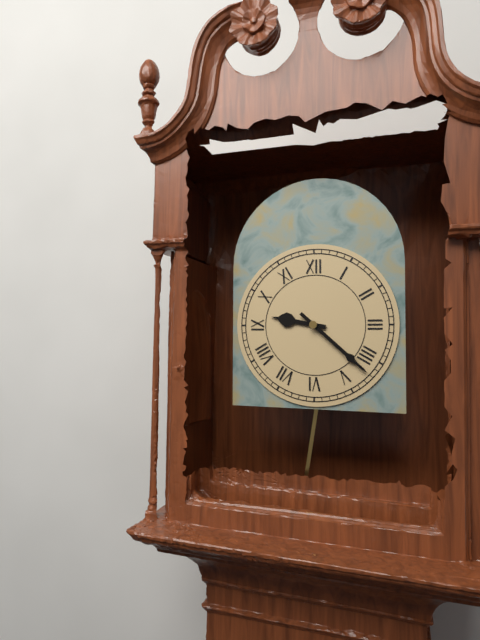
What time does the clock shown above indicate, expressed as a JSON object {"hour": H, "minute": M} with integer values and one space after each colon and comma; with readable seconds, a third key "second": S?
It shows {"hour": 9, "minute": 22}
